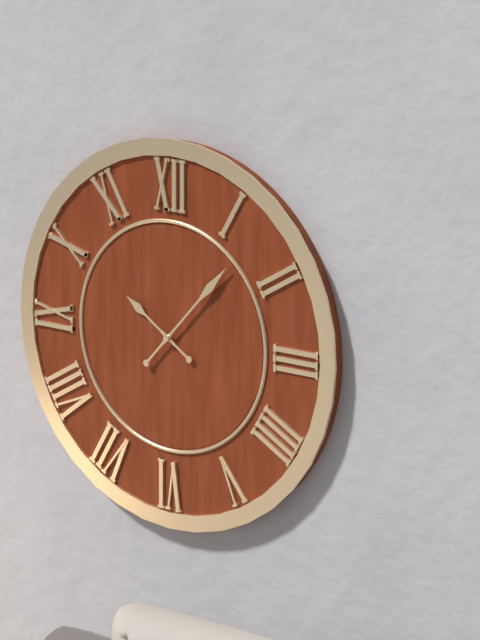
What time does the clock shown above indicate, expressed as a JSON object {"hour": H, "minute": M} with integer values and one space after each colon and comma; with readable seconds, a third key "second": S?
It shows {"hour": 10, "minute": 7}
